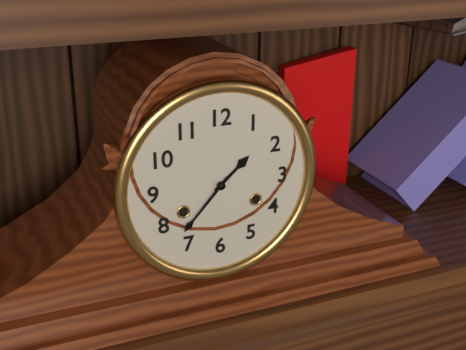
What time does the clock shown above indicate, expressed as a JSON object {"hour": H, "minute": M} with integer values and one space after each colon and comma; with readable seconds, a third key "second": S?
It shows {"hour": 1, "minute": 37}
